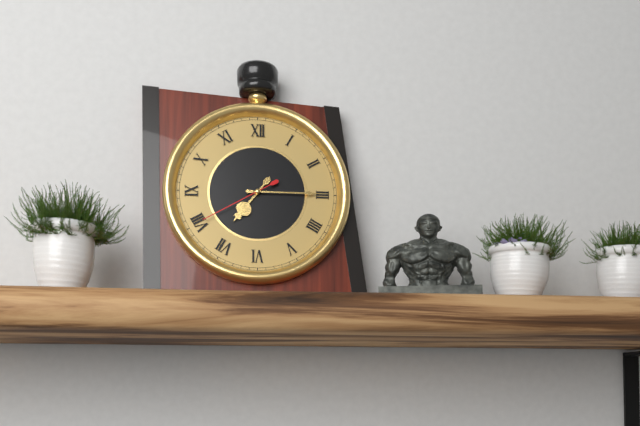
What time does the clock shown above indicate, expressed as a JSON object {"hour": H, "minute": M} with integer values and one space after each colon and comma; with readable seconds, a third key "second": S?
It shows {"hour": 7, "minute": 15, "second": 40}
